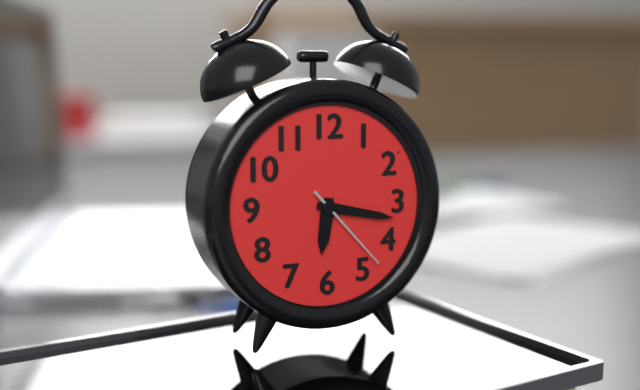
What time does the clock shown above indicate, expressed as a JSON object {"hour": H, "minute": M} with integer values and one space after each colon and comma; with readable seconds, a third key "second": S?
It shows {"hour": 6, "minute": 17, "second": 23}
